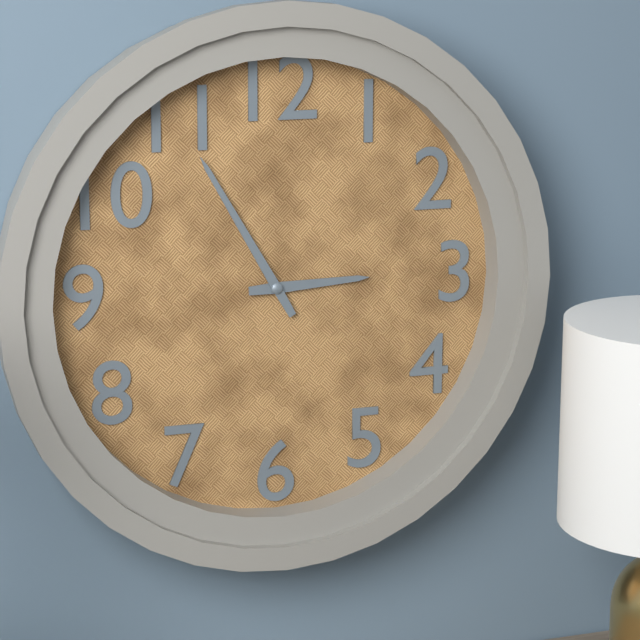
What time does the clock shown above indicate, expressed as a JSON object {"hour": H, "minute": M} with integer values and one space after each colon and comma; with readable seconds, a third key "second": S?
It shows {"hour": 2, "minute": 55}
